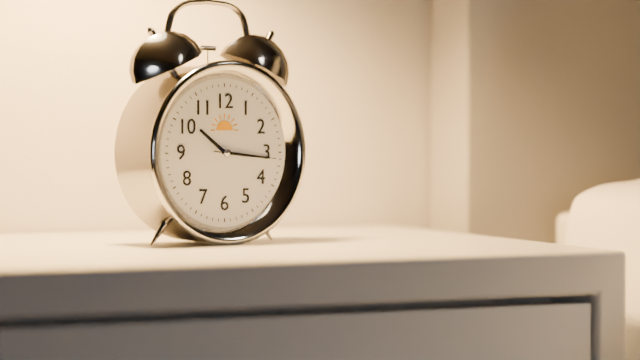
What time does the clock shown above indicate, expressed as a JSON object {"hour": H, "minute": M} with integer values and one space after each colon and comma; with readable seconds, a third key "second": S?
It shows {"hour": 10, "minute": 16, "second": 16}
